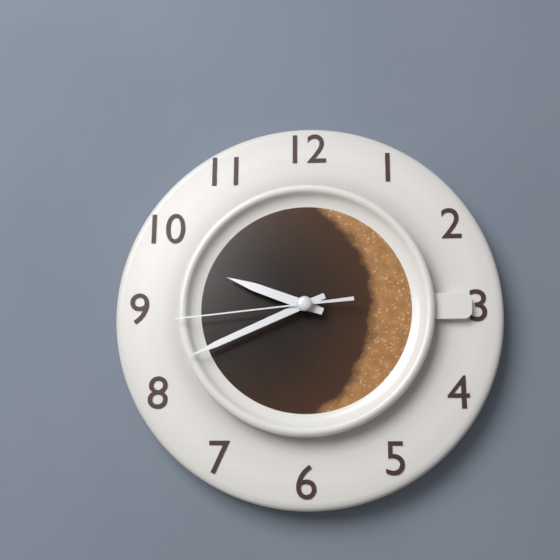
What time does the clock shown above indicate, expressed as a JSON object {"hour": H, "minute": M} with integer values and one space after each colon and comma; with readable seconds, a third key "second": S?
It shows {"hour": 9, "minute": 41, "second": 44}
